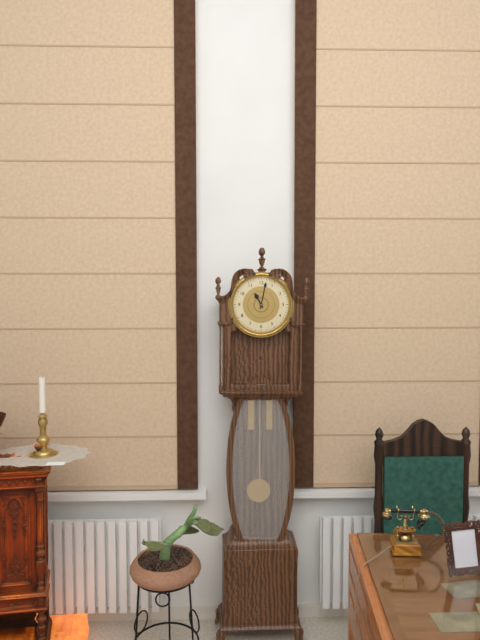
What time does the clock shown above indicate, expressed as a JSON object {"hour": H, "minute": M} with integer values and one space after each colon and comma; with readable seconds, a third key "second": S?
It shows {"hour": 11, "minute": 2}
